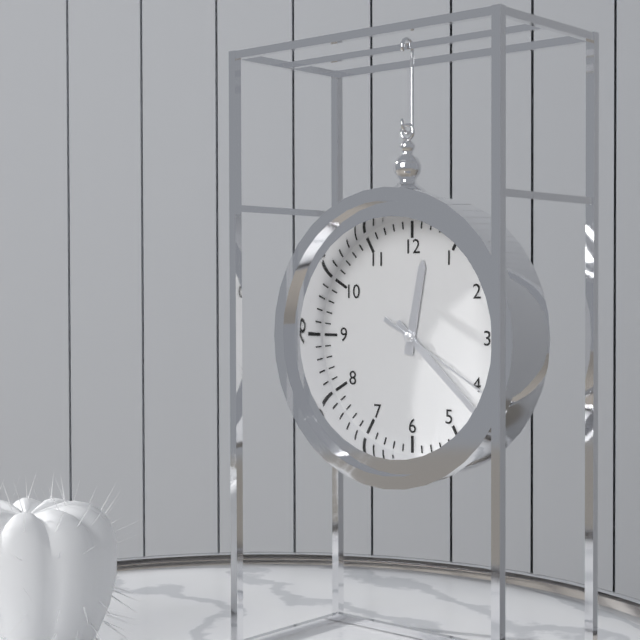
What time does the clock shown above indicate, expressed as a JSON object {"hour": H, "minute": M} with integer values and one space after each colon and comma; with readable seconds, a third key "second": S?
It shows {"hour": 12, "minute": 22, "second": 20}
